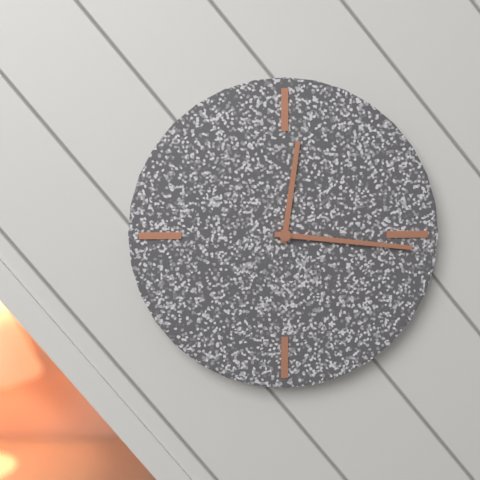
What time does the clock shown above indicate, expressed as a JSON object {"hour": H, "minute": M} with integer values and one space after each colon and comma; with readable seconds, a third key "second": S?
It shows {"hour": 12, "minute": 16}
